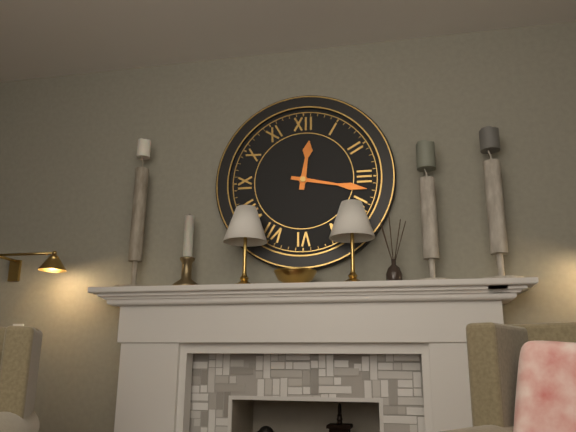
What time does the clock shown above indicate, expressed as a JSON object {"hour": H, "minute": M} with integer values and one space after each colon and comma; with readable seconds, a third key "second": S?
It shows {"hour": 12, "minute": 17}
